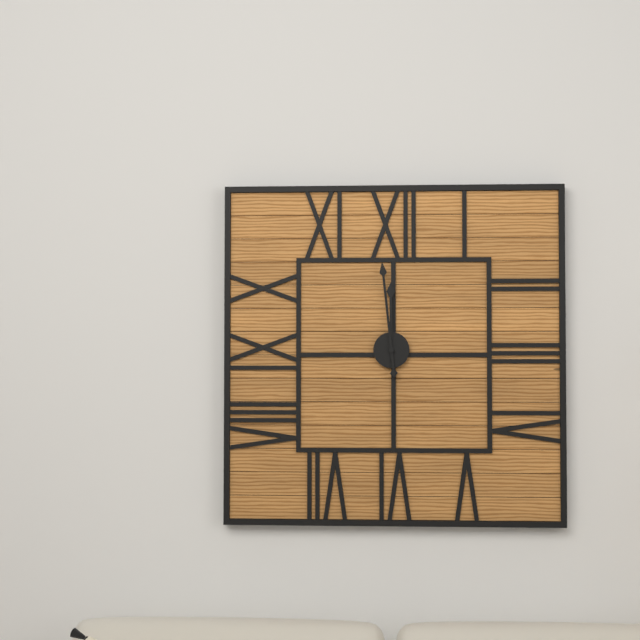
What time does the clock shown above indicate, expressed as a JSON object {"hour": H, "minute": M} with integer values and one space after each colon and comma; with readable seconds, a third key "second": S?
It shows {"hour": 11, "minute": 59}
